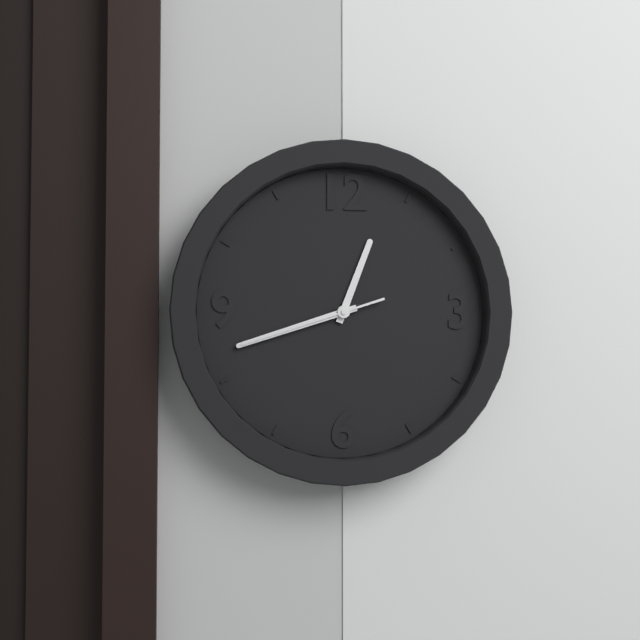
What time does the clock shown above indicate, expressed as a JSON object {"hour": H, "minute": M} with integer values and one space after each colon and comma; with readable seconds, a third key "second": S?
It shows {"hour": 12, "minute": 42, "second": 42}
